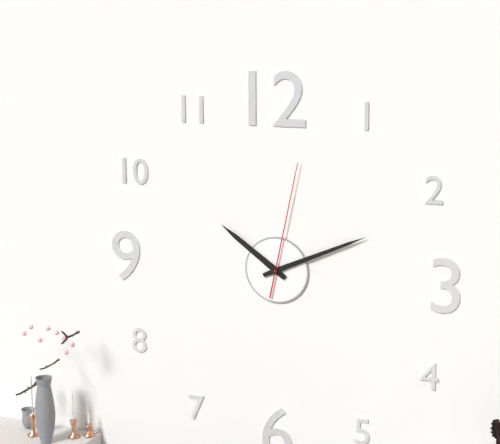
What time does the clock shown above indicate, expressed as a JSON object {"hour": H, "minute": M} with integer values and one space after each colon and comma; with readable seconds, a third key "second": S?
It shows {"hour": 10, "minute": 11, "second": 2}
